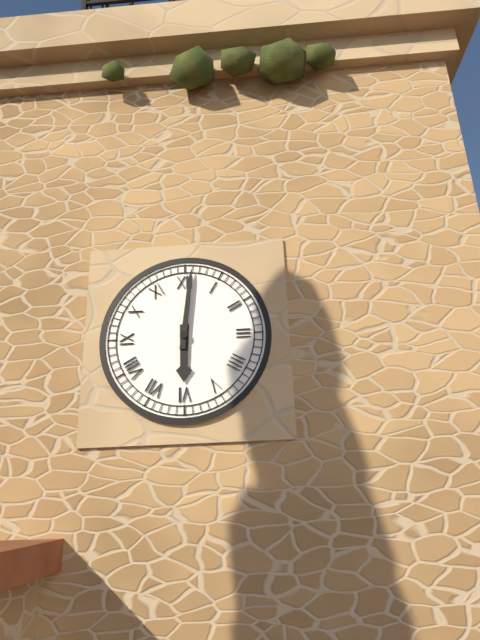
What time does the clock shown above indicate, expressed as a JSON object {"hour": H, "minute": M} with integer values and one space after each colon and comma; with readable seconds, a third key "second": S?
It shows {"hour": 6, "minute": 1}
